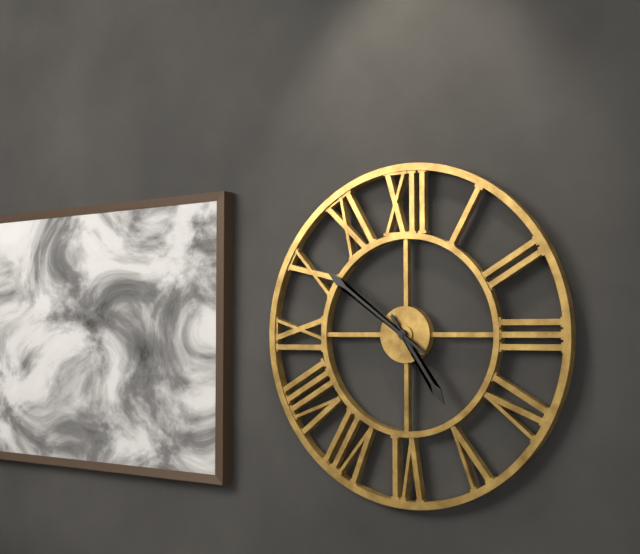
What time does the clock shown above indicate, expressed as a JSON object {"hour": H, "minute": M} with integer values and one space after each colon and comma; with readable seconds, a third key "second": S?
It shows {"hour": 4, "minute": 51}
